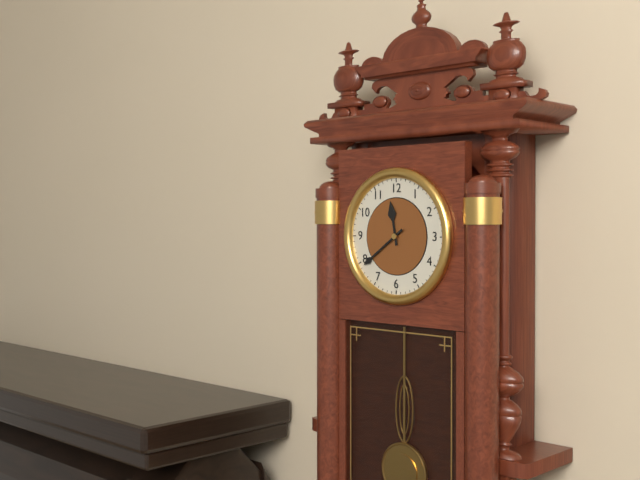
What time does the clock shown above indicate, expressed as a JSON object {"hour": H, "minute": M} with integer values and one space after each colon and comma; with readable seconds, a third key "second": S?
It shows {"hour": 11, "minute": 39}
